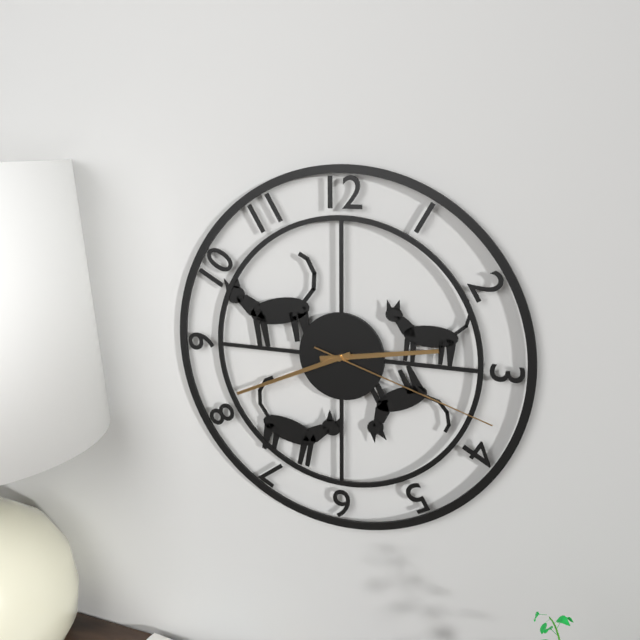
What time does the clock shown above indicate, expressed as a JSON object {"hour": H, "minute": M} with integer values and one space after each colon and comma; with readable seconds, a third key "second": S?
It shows {"hour": 2, "minute": 41, "second": 18}
